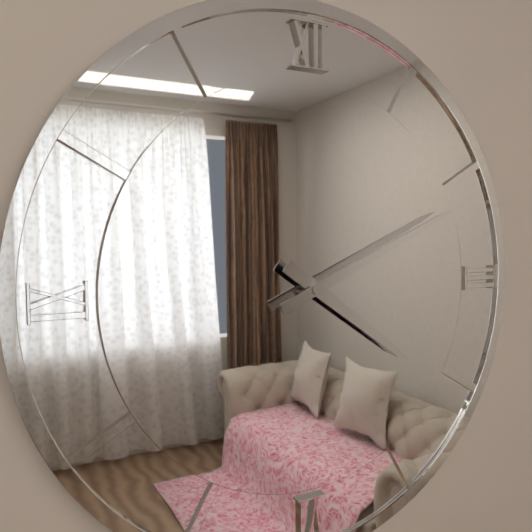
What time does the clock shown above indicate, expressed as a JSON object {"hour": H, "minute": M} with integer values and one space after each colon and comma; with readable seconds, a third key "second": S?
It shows {"hour": 4, "minute": 11}
